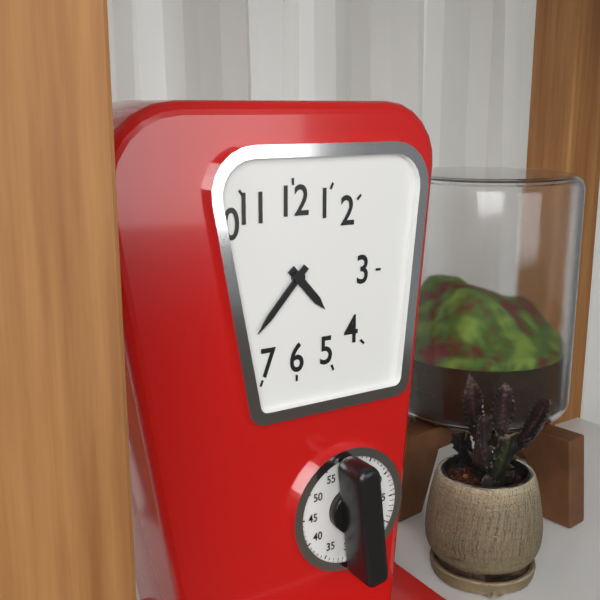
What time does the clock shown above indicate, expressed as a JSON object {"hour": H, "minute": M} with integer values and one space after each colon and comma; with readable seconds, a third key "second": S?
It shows {"hour": 4, "minute": 37}
